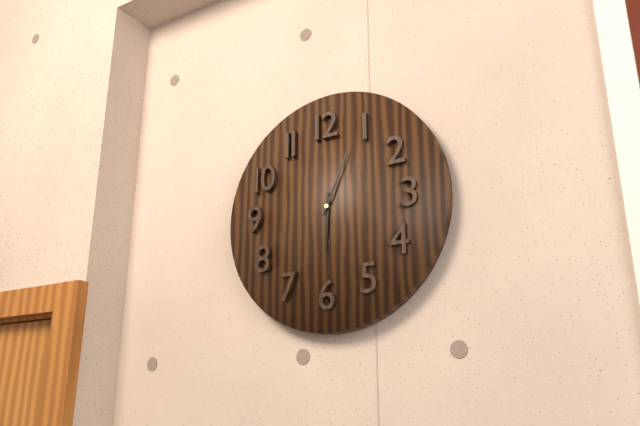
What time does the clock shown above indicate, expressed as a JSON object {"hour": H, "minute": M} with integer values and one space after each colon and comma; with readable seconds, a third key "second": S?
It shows {"hour": 6, "minute": 4}
